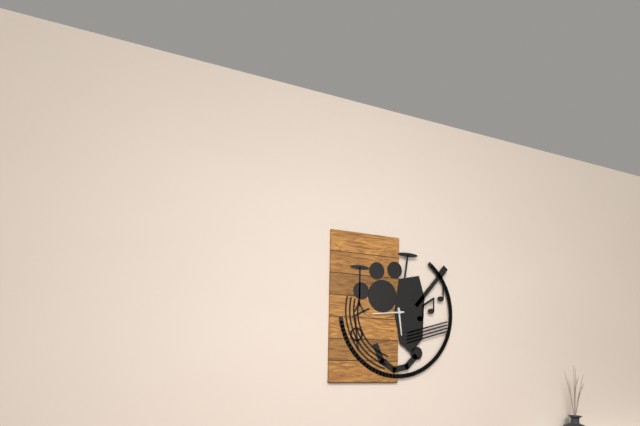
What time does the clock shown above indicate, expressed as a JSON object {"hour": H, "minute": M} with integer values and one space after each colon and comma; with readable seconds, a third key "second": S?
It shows {"hour": 5, "minute": 44}
